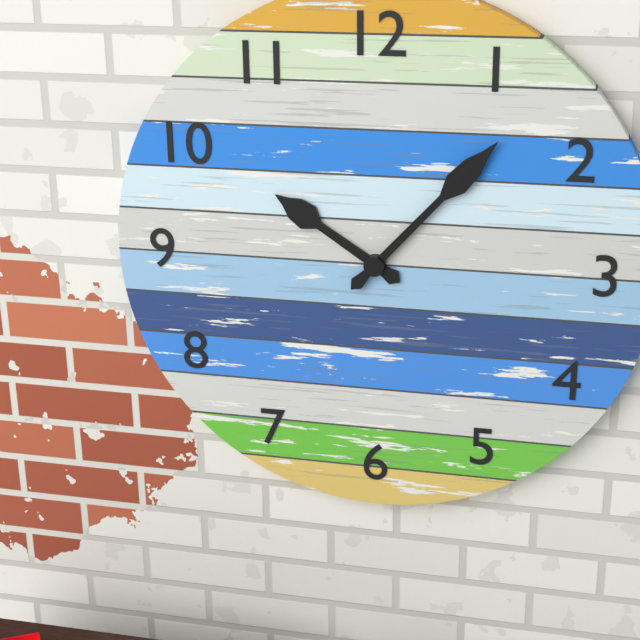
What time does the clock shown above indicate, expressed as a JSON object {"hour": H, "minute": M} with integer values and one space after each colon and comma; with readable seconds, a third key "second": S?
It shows {"hour": 10, "minute": 7}
